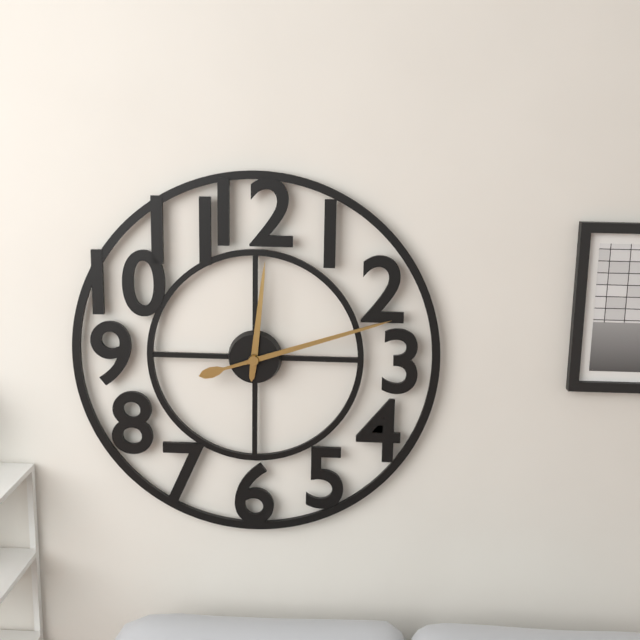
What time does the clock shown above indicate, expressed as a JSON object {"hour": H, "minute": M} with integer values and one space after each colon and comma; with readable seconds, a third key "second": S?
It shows {"hour": 12, "minute": 12}
